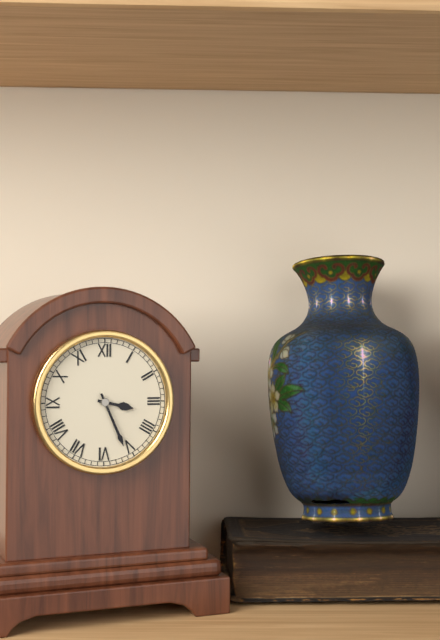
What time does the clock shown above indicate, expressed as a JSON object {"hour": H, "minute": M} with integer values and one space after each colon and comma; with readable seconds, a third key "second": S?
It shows {"hour": 3, "minute": 26}
